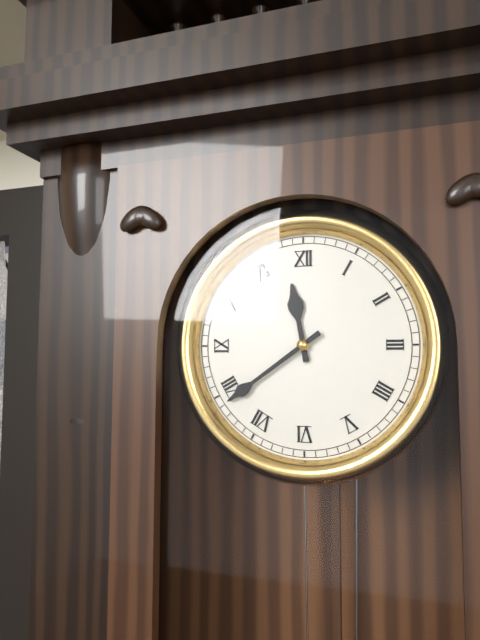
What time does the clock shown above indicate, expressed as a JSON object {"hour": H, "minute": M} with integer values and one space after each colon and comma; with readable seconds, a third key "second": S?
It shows {"hour": 11, "minute": 39}
